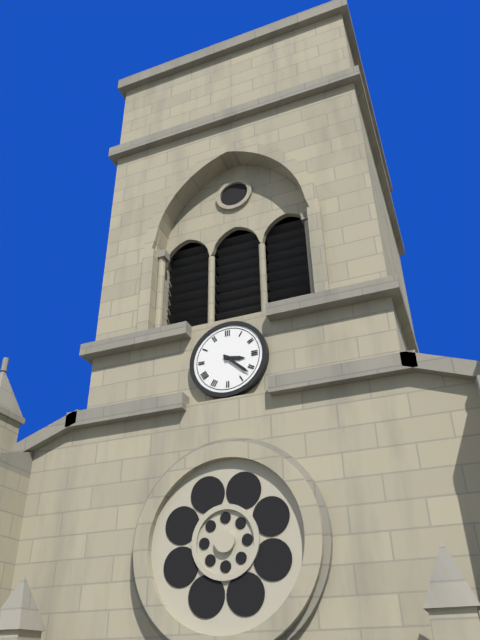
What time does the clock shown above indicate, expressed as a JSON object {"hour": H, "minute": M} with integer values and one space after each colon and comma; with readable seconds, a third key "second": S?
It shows {"hour": 3, "minute": 22}
